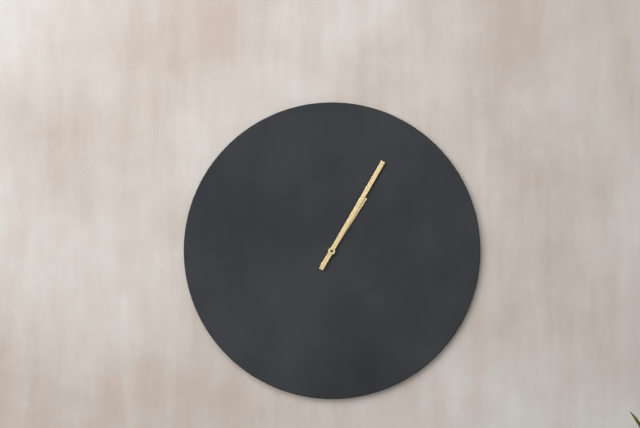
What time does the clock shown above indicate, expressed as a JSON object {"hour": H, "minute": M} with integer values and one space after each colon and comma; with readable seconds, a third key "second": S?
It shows {"hour": 1, "minute": 5}
